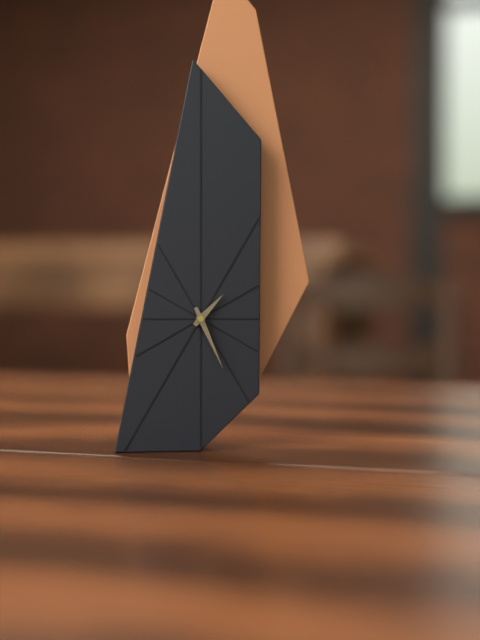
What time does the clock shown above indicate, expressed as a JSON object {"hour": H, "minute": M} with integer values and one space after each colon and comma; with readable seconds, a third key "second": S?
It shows {"hour": 1, "minute": 26}
